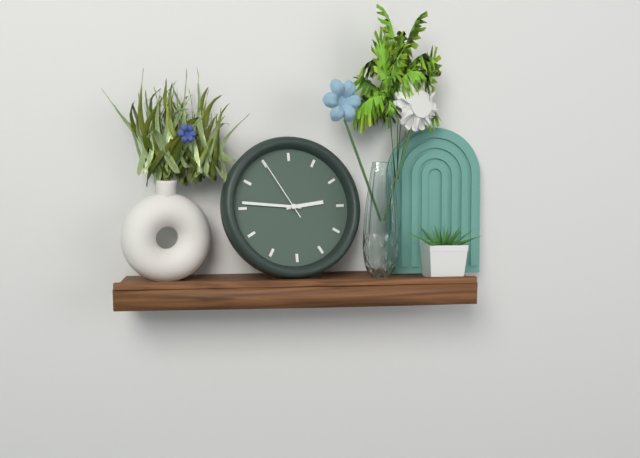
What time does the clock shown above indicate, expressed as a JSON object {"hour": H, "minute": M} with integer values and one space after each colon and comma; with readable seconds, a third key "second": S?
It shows {"hour": 2, "minute": 46, "second": 55}
